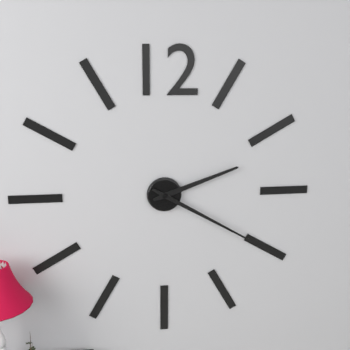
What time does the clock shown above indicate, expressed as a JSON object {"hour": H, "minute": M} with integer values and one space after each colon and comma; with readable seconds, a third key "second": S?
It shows {"hour": 2, "minute": 20}
